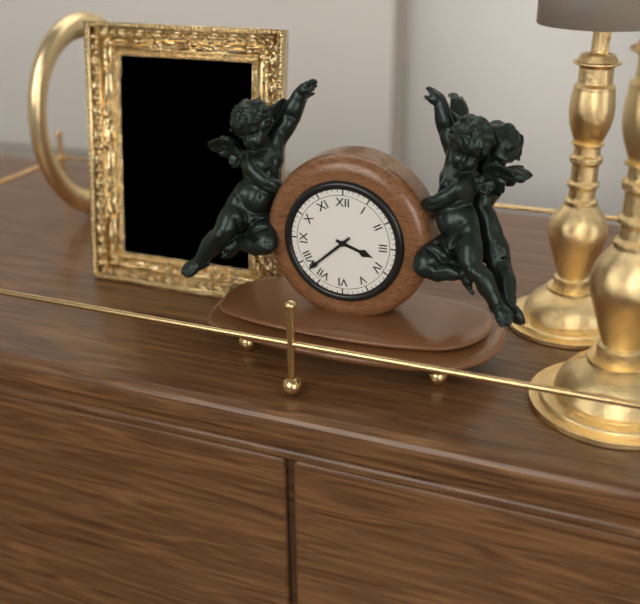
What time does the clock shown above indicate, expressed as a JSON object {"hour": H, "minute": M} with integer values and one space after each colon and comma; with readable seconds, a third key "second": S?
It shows {"hour": 3, "minute": 38}
